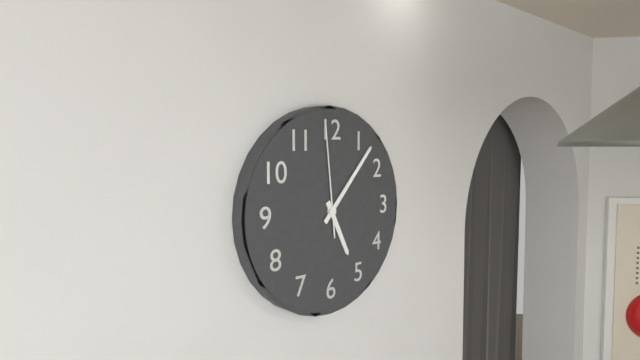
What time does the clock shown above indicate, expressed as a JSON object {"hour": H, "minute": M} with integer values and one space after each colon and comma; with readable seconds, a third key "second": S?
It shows {"hour": 5, "minute": 7, "second": 59}
